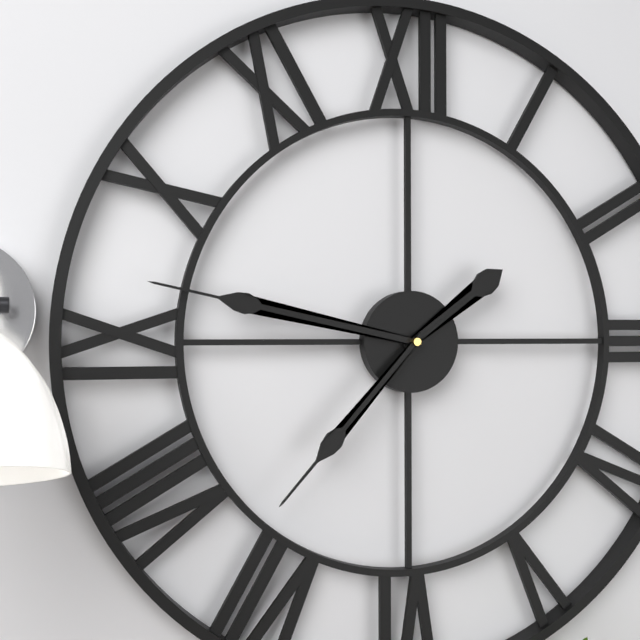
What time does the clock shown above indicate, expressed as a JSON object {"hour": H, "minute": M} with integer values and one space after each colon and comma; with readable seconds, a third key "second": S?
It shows {"hour": 1, "minute": 47, "second": 37}
